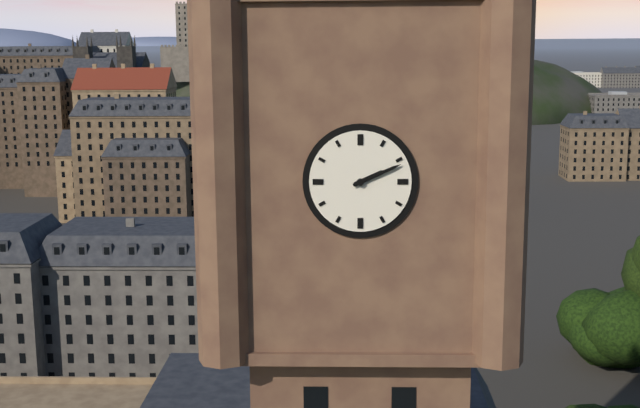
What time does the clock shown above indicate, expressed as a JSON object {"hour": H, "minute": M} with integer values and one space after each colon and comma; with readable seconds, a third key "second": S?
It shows {"hour": 2, "minute": 11}
